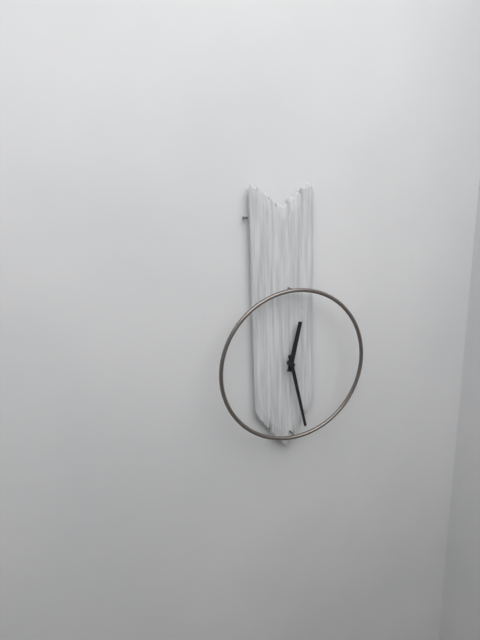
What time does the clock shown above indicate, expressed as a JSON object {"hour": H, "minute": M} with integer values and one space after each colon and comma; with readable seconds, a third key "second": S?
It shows {"hour": 12, "minute": 28}
